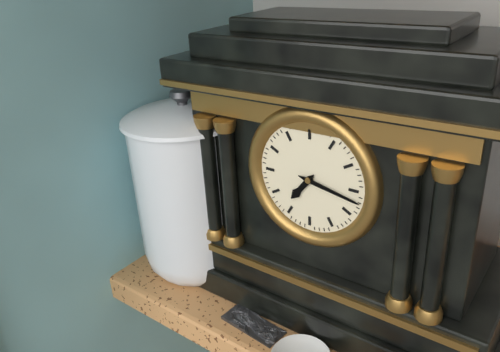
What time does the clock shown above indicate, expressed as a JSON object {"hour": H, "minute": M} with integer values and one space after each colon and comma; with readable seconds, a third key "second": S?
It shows {"hour": 7, "minute": 17}
